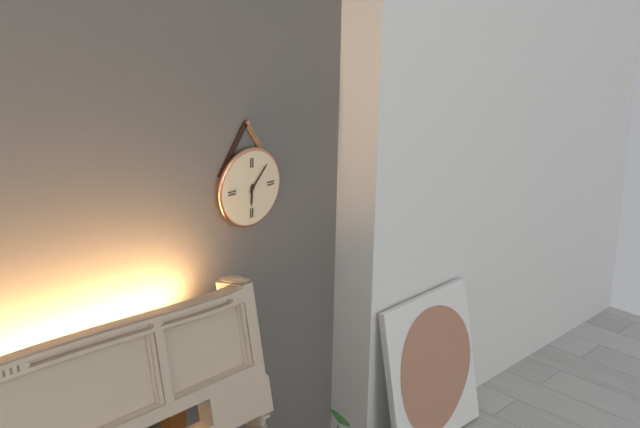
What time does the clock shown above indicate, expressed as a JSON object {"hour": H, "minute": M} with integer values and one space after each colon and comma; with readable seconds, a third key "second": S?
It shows {"hour": 6, "minute": 7}
